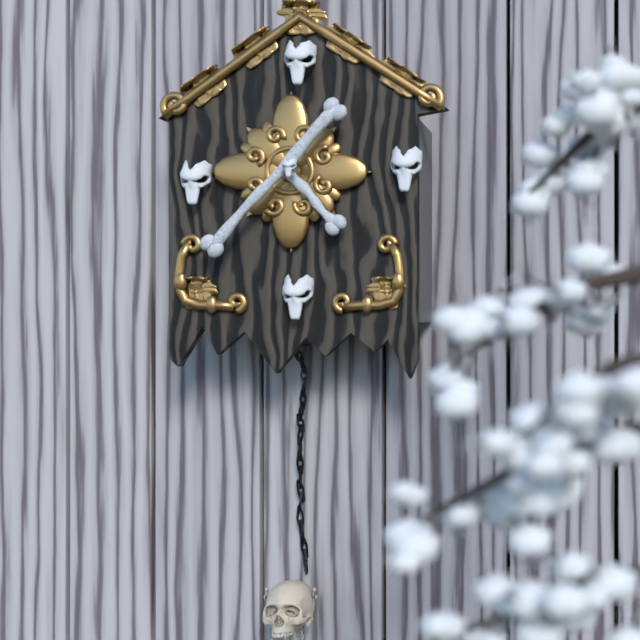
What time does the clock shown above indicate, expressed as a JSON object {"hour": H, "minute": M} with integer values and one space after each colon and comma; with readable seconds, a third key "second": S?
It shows {"hour": 4, "minute": 37}
